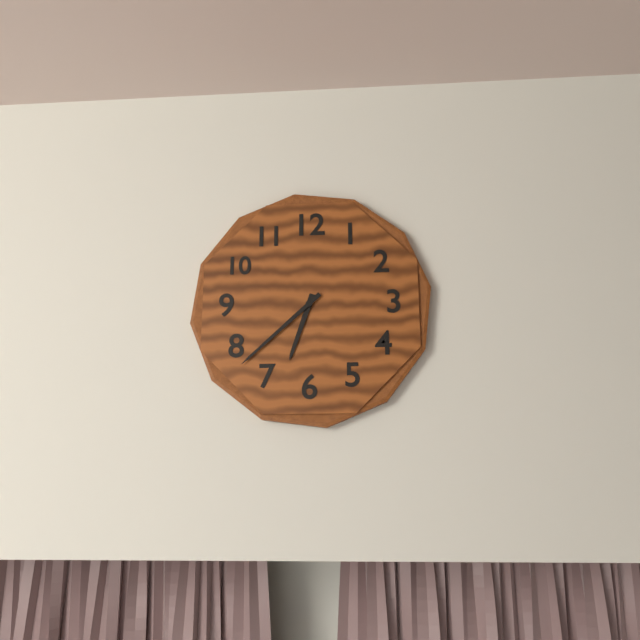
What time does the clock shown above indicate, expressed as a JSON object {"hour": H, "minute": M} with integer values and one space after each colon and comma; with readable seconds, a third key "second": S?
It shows {"hour": 6, "minute": 38}
